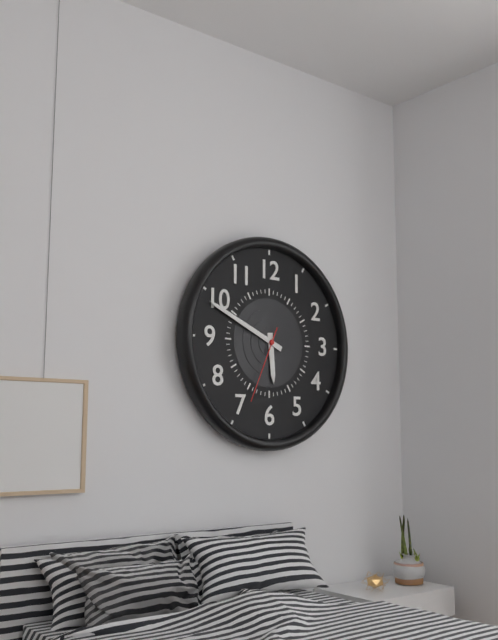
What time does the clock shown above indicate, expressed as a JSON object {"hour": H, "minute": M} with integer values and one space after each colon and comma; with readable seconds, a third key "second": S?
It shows {"hour": 5, "minute": 49, "second": 34}
